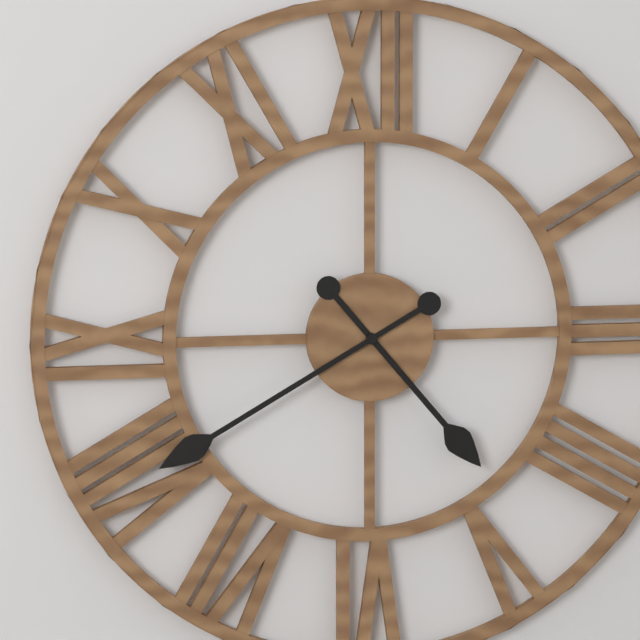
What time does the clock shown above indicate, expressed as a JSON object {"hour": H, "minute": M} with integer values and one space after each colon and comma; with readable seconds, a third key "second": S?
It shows {"hour": 4, "minute": 40}
